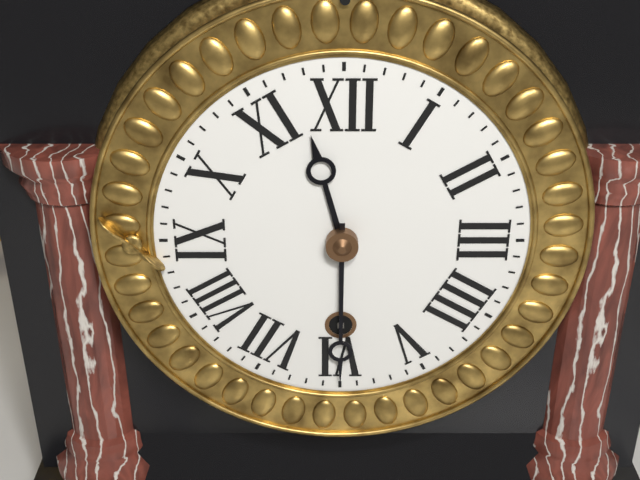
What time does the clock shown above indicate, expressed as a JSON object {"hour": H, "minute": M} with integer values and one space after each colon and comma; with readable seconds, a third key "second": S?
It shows {"hour": 11, "minute": 30}
